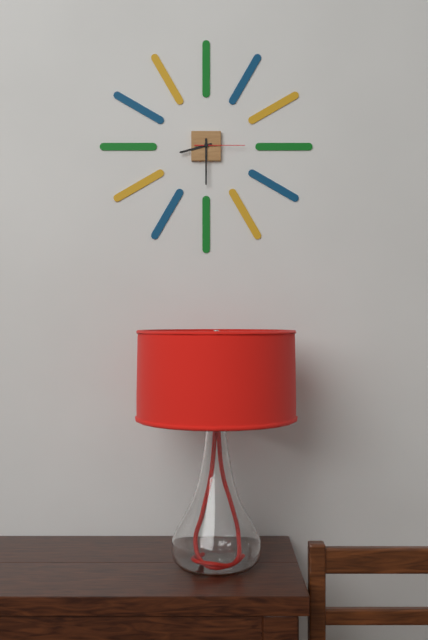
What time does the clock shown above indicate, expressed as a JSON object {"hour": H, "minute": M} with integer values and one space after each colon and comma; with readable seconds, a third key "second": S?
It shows {"hour": 8, "minute": 30}
